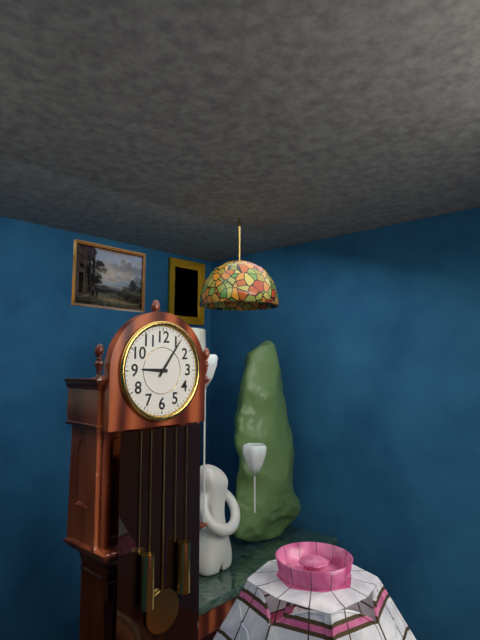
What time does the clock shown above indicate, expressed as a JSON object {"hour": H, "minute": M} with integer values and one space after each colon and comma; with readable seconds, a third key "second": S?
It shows {"hour": 9, "minute": 6}
